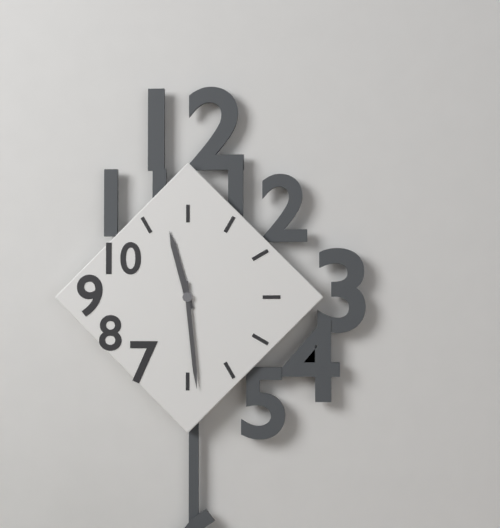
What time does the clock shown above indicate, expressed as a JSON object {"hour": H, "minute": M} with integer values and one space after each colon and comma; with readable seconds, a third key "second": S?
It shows {"hour": 11, "minute": 29}
